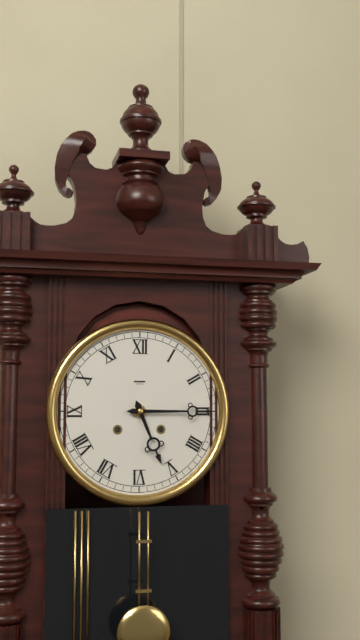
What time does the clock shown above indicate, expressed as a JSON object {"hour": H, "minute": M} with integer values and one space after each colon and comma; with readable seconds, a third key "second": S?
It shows {"hour": 5, "minute": 15}
